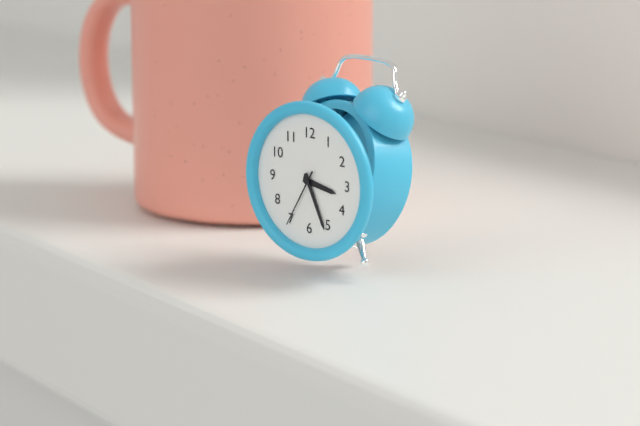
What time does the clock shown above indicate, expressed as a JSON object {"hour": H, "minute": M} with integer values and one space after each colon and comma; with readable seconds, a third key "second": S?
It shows {"hour": 3, "minute": 26, "second": 35}
